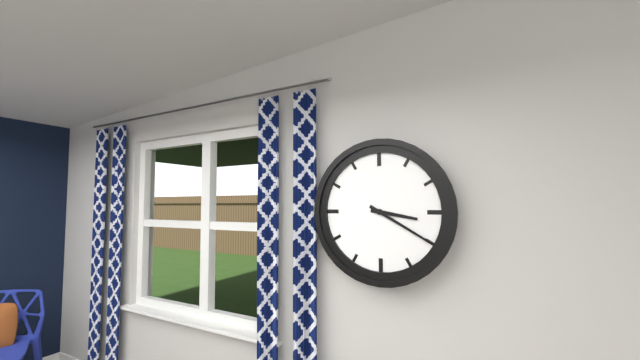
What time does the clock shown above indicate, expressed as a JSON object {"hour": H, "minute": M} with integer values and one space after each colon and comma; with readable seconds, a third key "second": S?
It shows {"hour": 3, "minute": 20}
